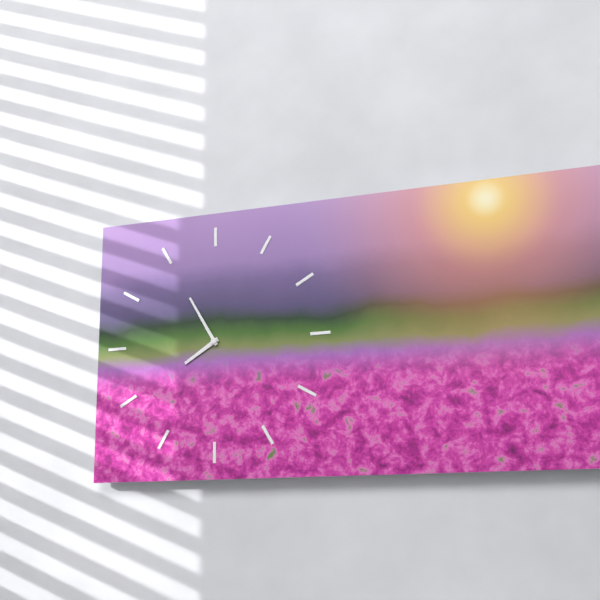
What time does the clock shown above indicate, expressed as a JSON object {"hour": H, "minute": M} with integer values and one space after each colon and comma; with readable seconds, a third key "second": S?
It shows {"hour": 7, "minute": 55}
